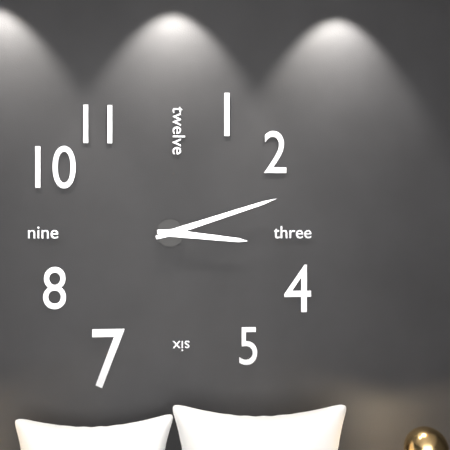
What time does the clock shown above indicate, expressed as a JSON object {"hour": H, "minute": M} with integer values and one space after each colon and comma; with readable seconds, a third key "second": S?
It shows {"hour": 3, "minute": 12}
